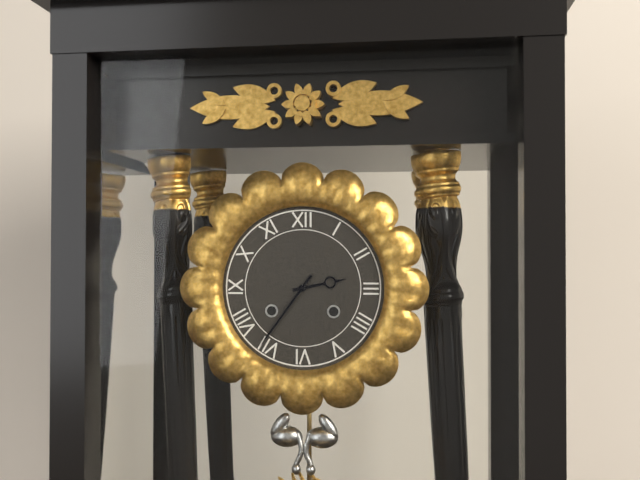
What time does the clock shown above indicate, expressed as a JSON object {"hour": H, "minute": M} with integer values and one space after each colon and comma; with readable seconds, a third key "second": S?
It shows {"hour": 2, "minute": 36}
